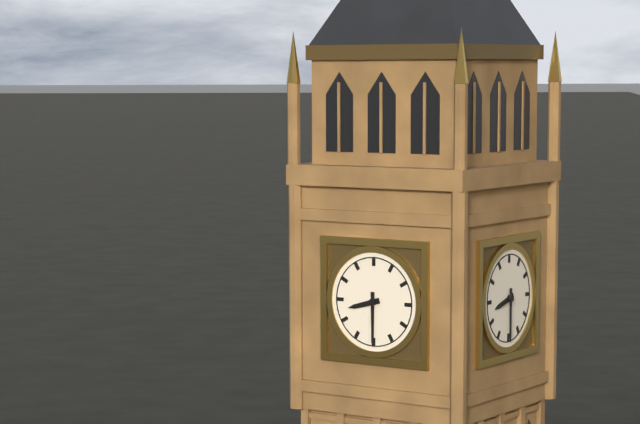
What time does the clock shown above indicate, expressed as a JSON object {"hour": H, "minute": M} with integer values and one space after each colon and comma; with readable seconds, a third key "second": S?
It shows {"hour": 8, "minute": 30}
